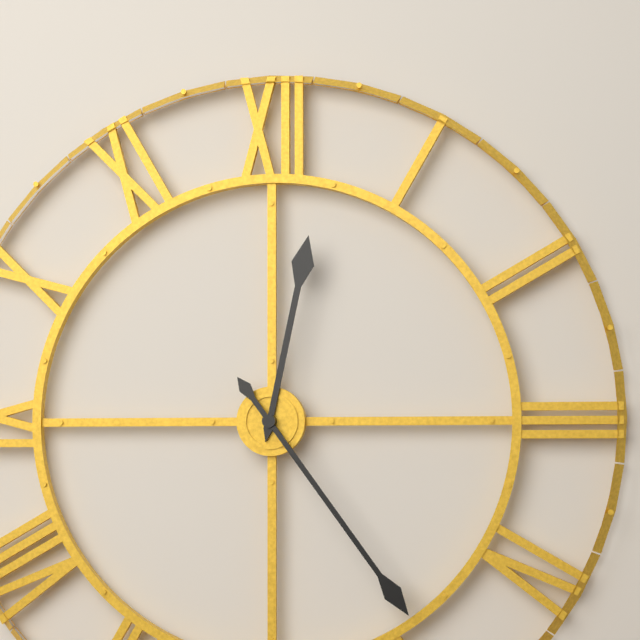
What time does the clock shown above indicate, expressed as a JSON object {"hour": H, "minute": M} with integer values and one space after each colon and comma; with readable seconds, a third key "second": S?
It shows {"hour": 12, "minute": 24}
